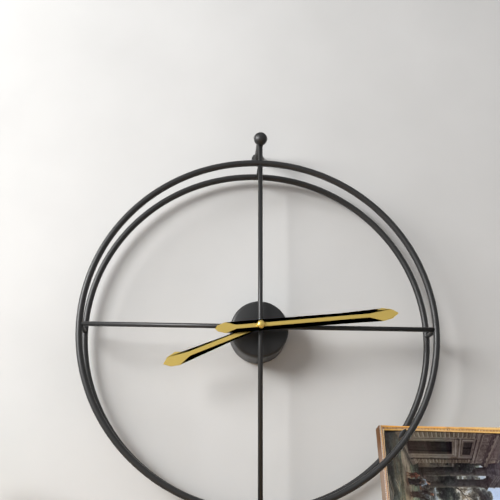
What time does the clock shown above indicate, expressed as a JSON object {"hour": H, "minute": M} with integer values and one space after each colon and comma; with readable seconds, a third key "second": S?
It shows {"hour": 8, "minute": 14}
